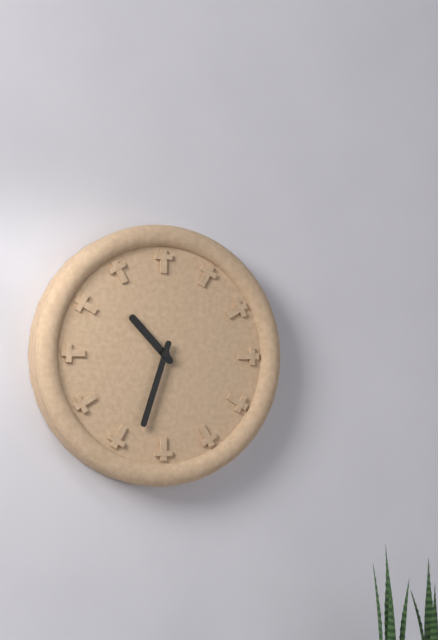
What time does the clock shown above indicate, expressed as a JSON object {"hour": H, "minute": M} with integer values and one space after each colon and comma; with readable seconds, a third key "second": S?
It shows {"hour": 10, "minute": 33}
